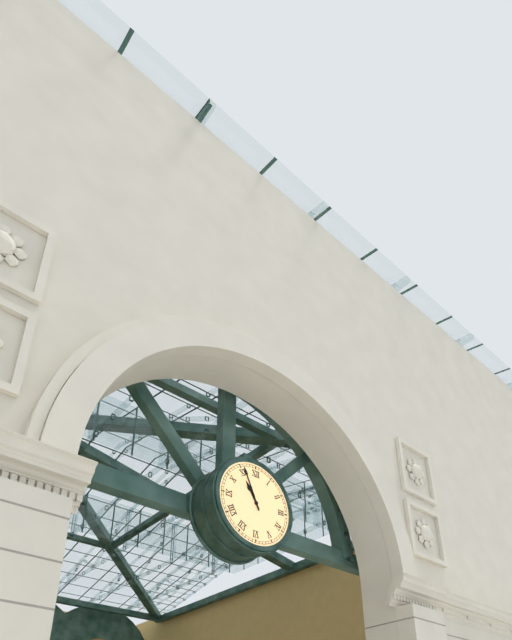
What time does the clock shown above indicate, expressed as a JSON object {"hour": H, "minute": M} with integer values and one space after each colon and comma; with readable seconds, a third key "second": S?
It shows {"hour": 10, "minute": 56}
